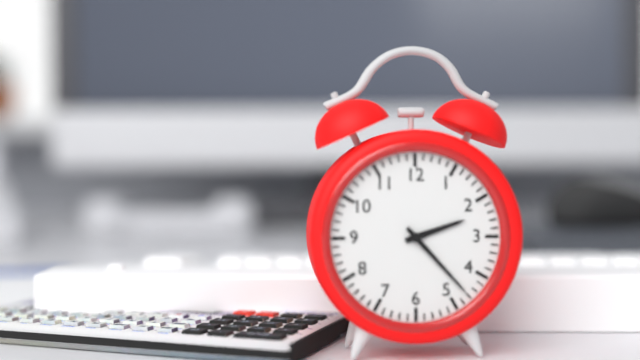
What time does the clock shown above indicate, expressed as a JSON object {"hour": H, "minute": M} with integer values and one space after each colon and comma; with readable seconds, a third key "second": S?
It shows {"hour": 2, "minute": 23}
